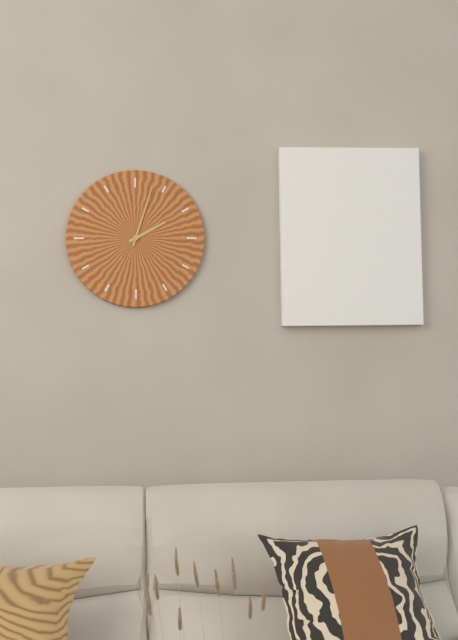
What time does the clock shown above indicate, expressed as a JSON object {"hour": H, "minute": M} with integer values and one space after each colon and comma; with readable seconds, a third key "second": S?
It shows {"hour": 2, "minute": 3}
